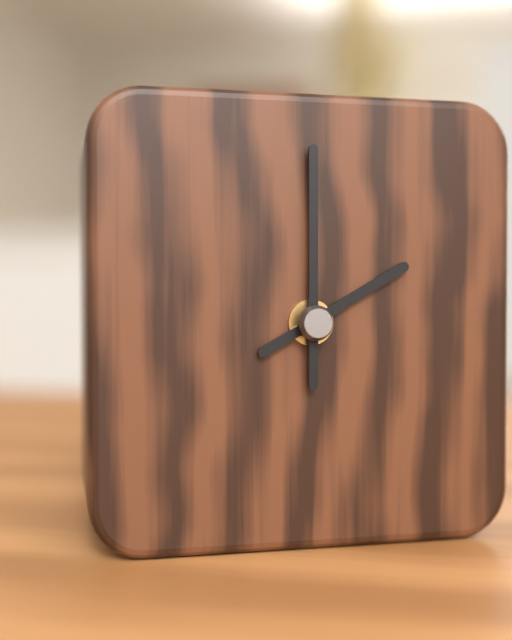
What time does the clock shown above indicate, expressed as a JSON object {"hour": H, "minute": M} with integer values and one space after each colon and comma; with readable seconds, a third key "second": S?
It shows {"hour": 2, "minute": 0}
